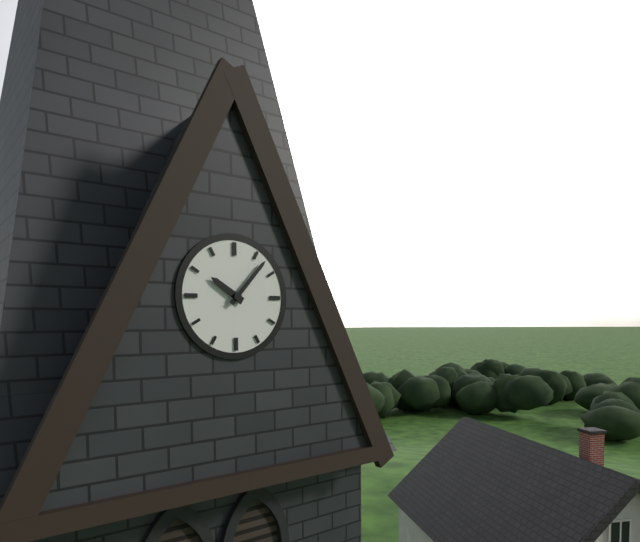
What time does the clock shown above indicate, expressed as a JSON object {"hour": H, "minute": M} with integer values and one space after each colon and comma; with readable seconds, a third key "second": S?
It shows {"hour": 10, "minute": 7}
